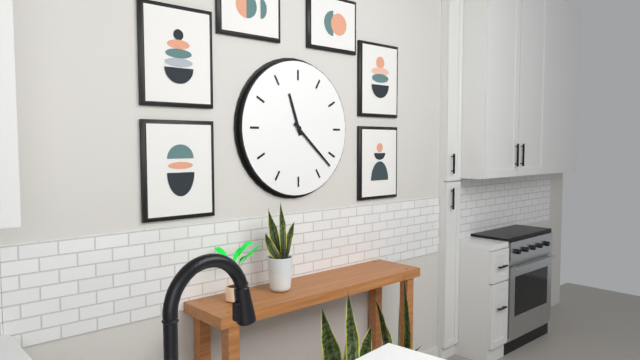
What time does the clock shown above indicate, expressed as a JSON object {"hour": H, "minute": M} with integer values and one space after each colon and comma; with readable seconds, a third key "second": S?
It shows {"hour": 11, "minute": 22}
